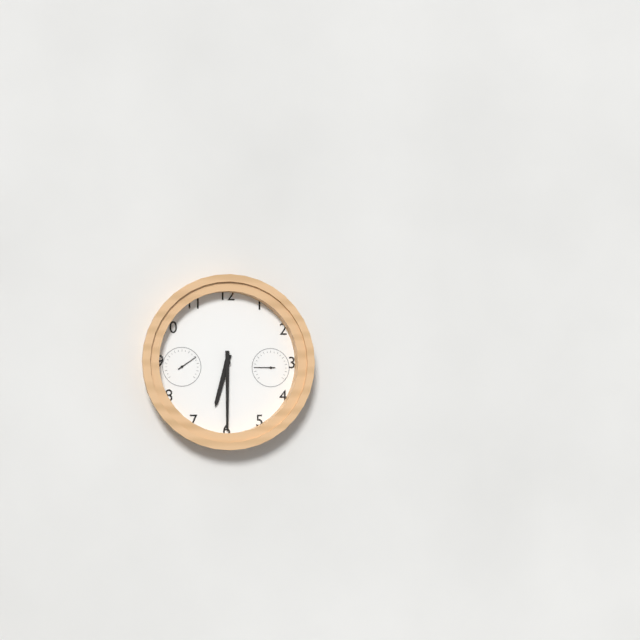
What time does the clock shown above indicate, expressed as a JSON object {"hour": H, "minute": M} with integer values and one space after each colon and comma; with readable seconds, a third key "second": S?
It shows {"hour": 6, "minute": 30}
